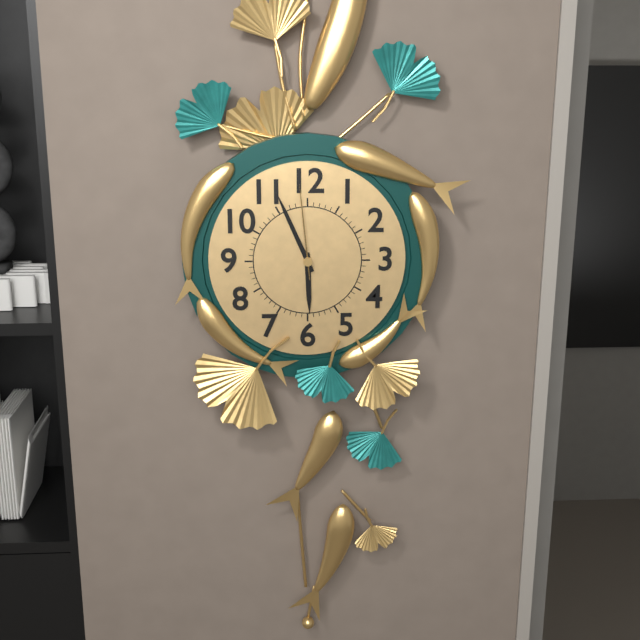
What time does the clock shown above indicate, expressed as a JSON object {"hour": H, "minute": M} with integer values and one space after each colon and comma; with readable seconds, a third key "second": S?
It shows {"hour": 5, "minute": 56, "second": 59}
